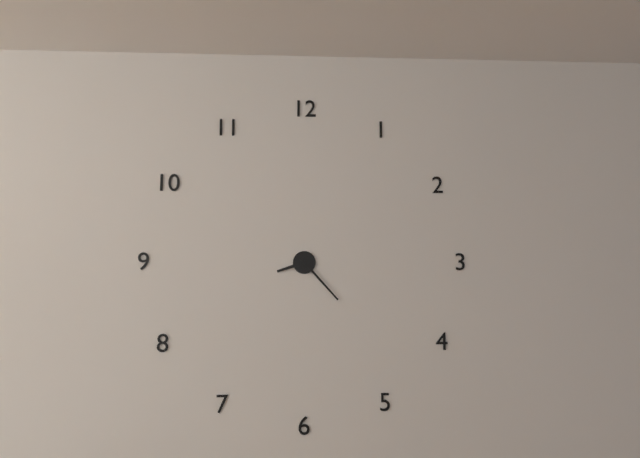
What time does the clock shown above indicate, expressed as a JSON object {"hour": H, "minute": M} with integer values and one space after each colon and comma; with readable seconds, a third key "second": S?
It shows {"hour": 8, "minute": 23}
